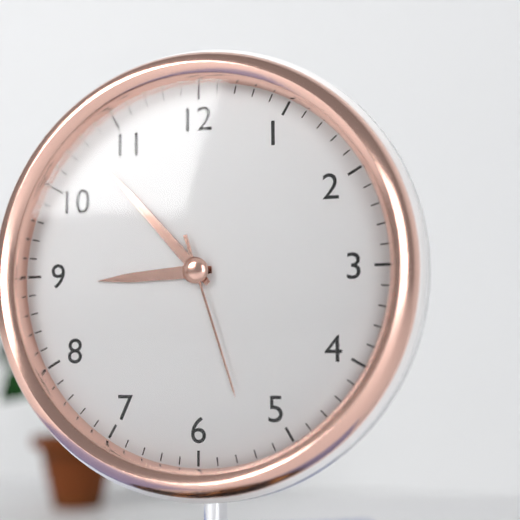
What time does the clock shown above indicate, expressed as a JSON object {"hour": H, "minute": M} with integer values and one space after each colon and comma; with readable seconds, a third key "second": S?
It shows {"hour": 8, "minute": 53, "second": 27}
